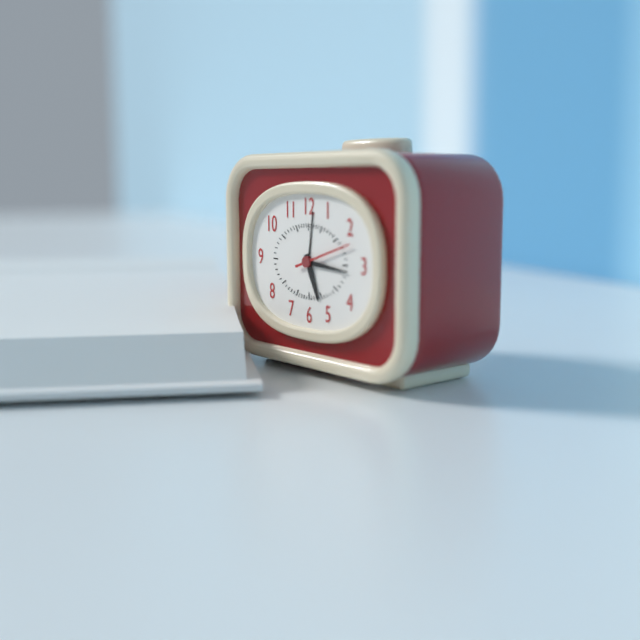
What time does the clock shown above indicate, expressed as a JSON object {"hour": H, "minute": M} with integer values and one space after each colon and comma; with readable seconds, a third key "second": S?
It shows {"hour": 5, "minute": 16}
